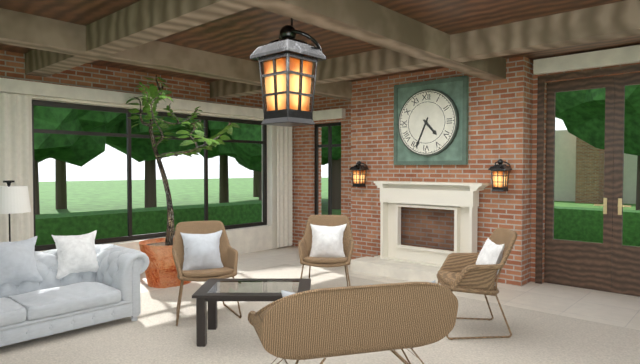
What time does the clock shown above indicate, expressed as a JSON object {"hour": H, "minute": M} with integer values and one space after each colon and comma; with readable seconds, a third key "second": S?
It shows {"hour": 4, "minute": 34}
